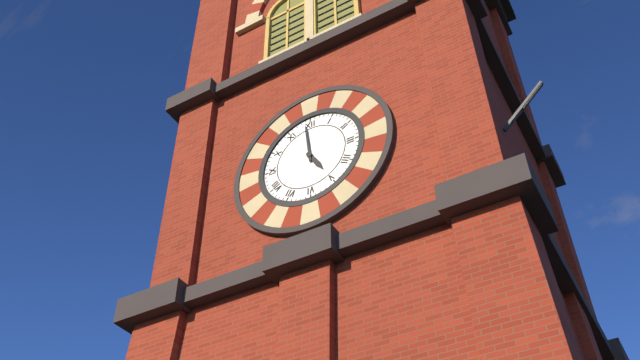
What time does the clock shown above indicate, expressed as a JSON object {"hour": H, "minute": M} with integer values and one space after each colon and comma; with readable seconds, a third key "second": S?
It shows {"hour": 4, "minute": 59}
